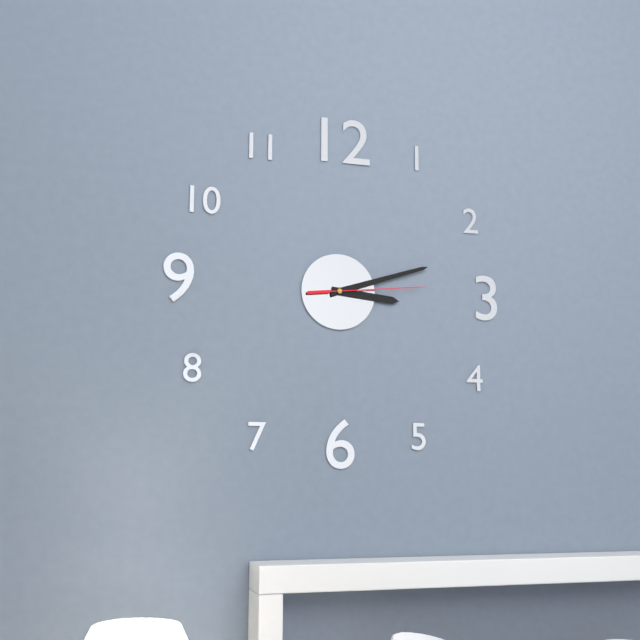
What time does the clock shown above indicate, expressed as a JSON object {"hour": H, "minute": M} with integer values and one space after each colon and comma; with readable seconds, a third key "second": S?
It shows {"hour": 3, "minute": 12, "second": 14}
